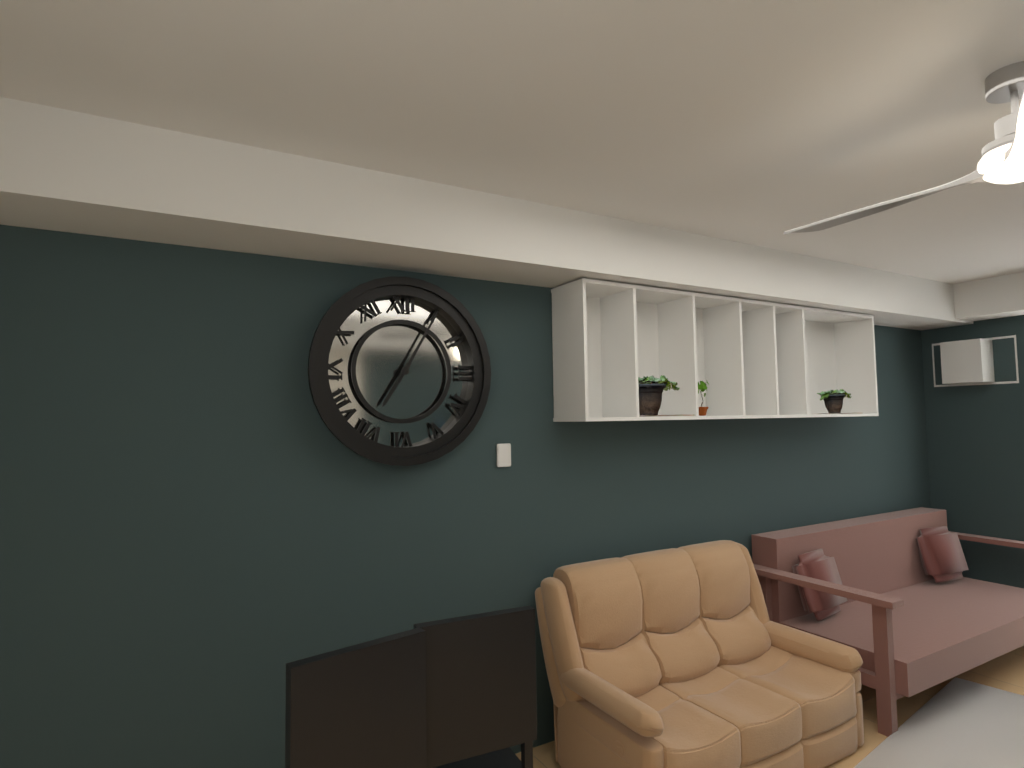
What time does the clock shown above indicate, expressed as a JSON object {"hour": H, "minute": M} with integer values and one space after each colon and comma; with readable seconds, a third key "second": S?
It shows {"hour": 7, "minute": 5}
